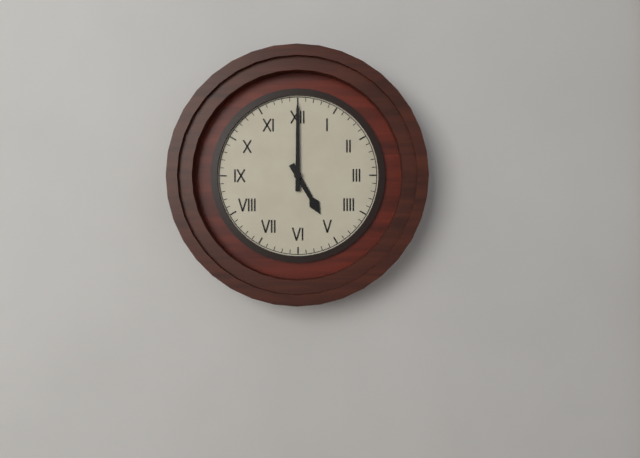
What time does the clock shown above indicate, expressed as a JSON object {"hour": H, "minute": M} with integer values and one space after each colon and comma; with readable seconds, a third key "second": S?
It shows {"hour": 5, "minute": 0}
